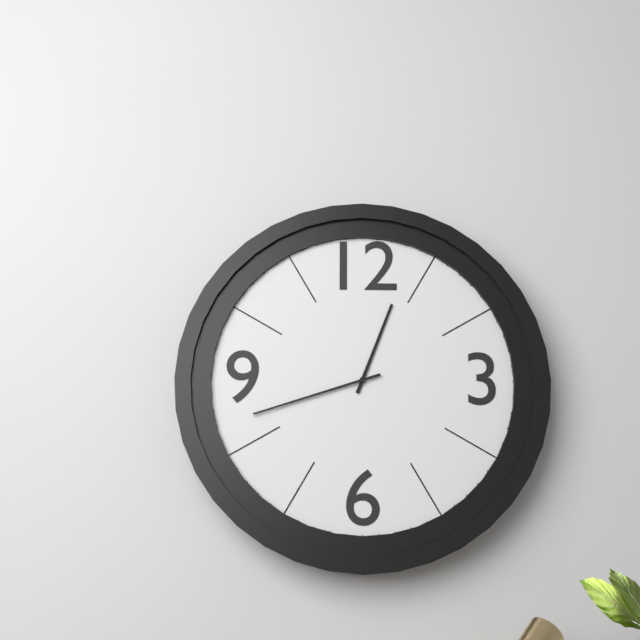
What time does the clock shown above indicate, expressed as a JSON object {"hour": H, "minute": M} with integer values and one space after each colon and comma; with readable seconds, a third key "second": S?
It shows {"hour": 12, "minute": 42}
